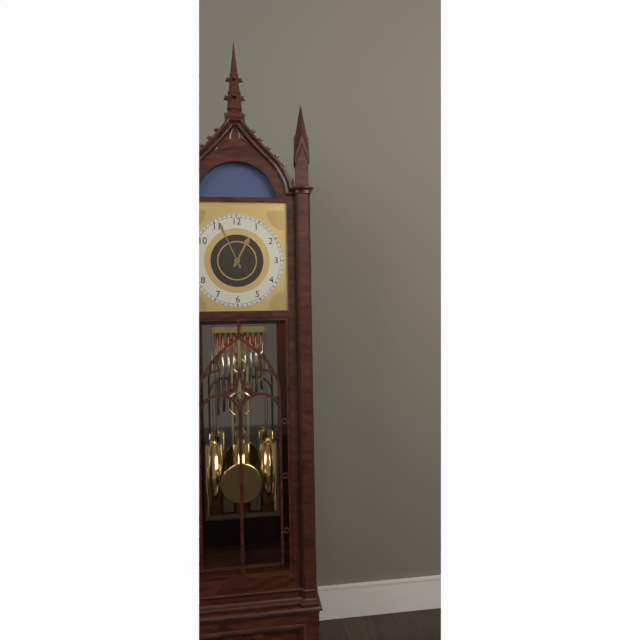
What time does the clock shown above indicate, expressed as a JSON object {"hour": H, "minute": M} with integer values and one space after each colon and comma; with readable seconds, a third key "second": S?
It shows {"hour": 12, "minute": 56}
